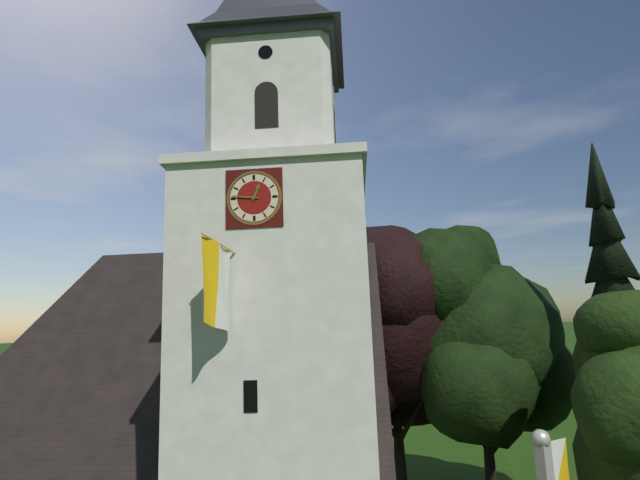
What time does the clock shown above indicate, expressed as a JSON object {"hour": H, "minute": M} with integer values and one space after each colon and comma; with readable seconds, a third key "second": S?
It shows {"hour": 12, "minute": 46}
